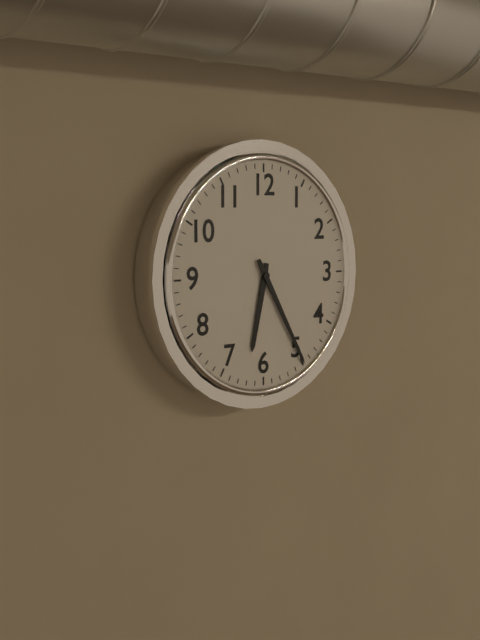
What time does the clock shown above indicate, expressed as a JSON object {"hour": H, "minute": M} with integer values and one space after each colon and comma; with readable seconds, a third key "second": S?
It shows {"hour": 6, "minute": 25}
